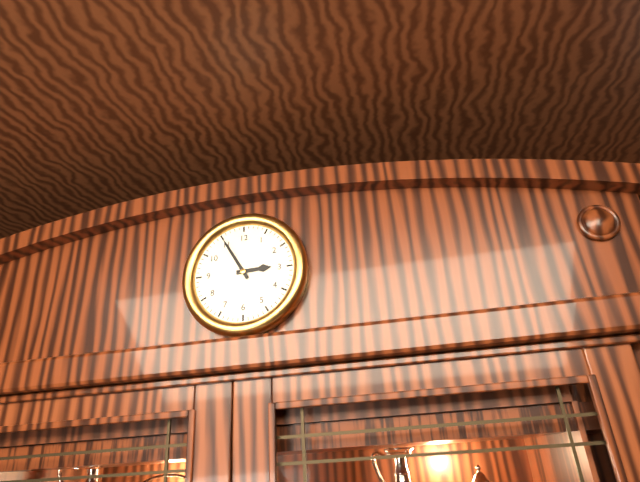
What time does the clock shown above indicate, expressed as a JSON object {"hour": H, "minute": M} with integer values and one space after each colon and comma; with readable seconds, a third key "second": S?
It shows {"hour": 2, "minute": 55}
